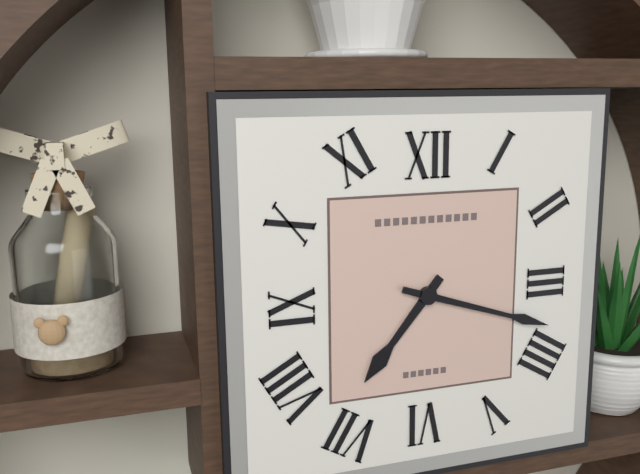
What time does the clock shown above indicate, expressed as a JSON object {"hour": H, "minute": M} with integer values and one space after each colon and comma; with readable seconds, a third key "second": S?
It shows {"hour": 7, "minute": 18}
